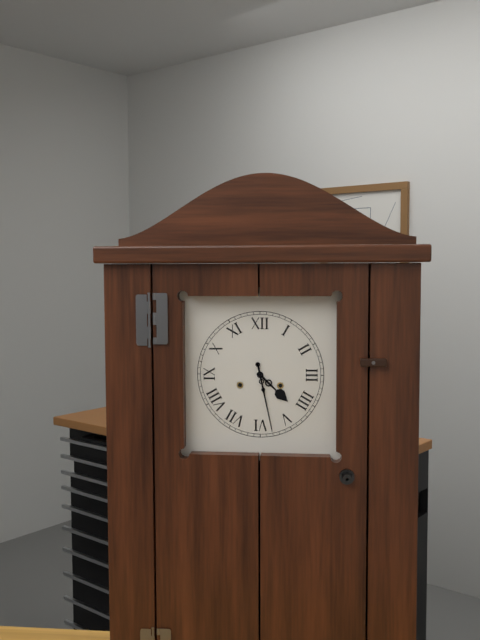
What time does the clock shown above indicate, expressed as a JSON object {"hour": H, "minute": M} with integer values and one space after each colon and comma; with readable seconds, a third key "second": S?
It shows {"hour": 4, "minute": 28}
